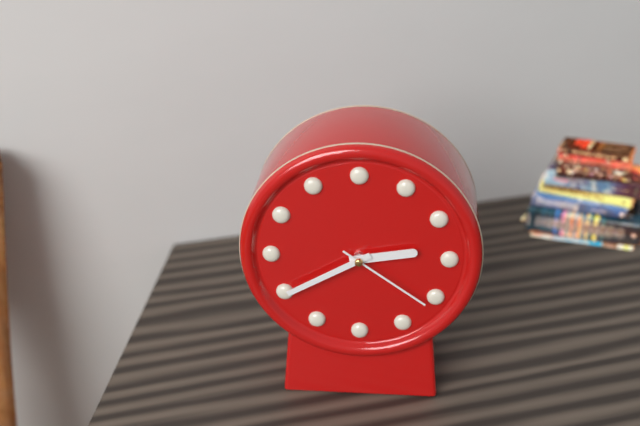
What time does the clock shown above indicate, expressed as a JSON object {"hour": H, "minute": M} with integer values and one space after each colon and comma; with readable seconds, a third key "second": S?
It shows {"hour": 2, "minute": 40, "second": 21}
